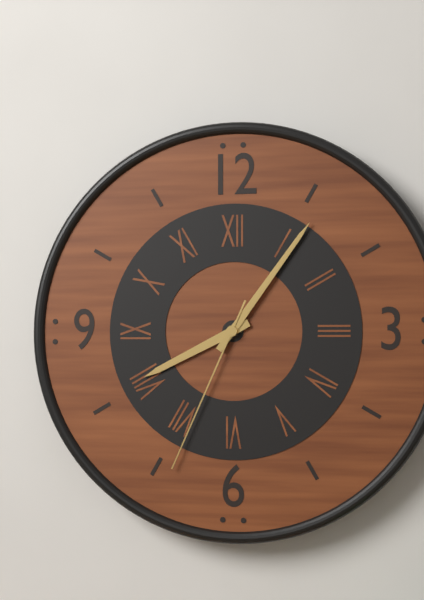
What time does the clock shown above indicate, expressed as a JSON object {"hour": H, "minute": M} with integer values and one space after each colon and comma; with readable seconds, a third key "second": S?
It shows {"hour": 8, "minute": 6, "second": 34}
